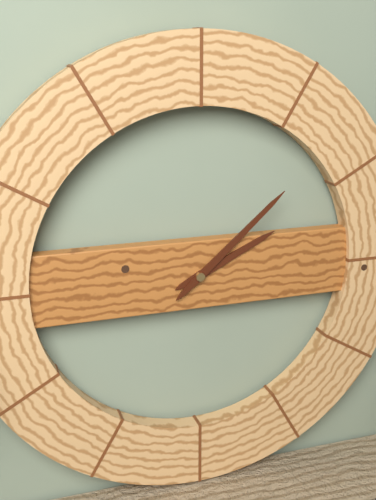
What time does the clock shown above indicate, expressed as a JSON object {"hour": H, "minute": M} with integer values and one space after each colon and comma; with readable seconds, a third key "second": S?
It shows {"hour": 2, "minute": 8}
